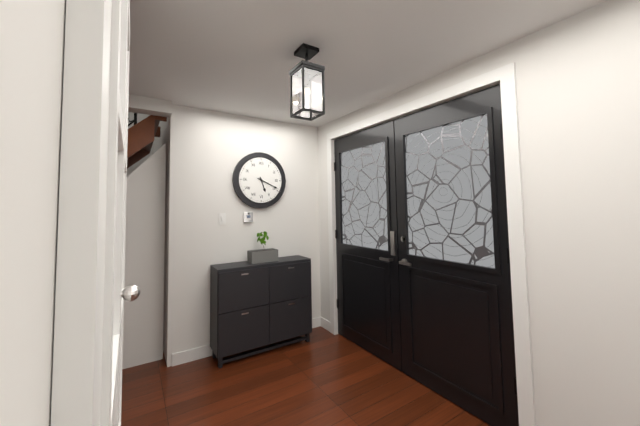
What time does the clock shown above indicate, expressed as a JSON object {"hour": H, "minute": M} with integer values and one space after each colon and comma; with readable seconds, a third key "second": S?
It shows {"hour": 5, "minute": 19}
